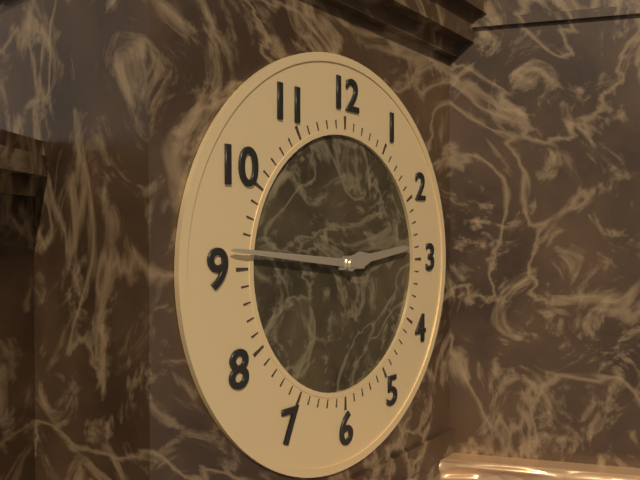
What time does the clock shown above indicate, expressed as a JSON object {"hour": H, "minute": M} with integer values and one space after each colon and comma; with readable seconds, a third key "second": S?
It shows {"hour": 2, "minute": 46}
